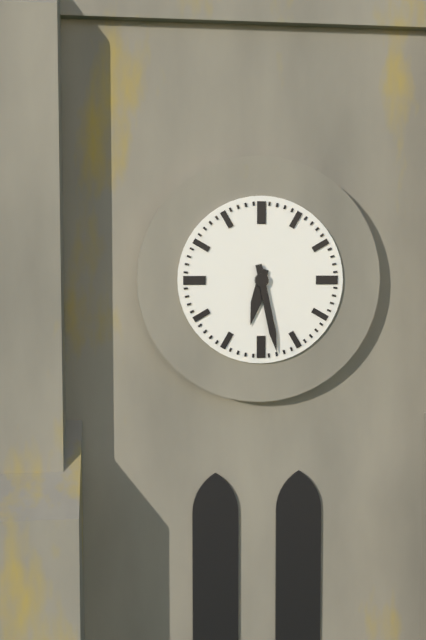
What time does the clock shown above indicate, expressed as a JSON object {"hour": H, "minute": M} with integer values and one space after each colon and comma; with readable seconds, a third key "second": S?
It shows {"hour": 6, "minute": 28}
